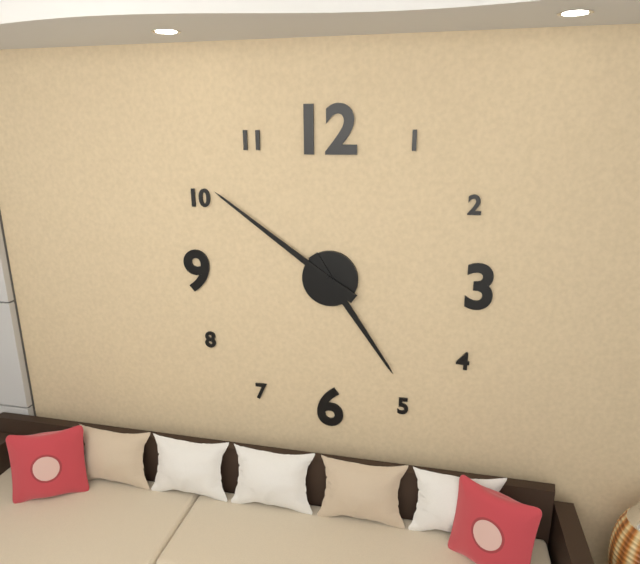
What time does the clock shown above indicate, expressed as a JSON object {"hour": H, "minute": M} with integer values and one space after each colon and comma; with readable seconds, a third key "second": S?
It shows {"hour": 4, "minute": 51}
